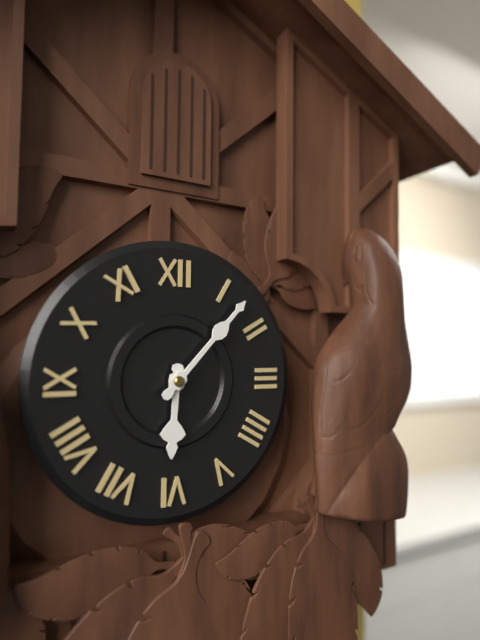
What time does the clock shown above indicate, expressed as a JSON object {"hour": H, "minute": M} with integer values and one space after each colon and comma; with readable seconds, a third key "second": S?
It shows {"hour": 6, "minute": 7}
